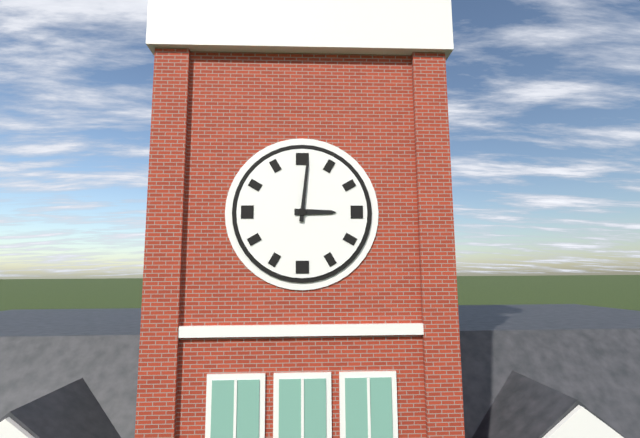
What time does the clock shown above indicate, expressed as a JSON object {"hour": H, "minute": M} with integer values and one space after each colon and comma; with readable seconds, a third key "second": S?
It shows {"hour": 3, "minute": 1}
